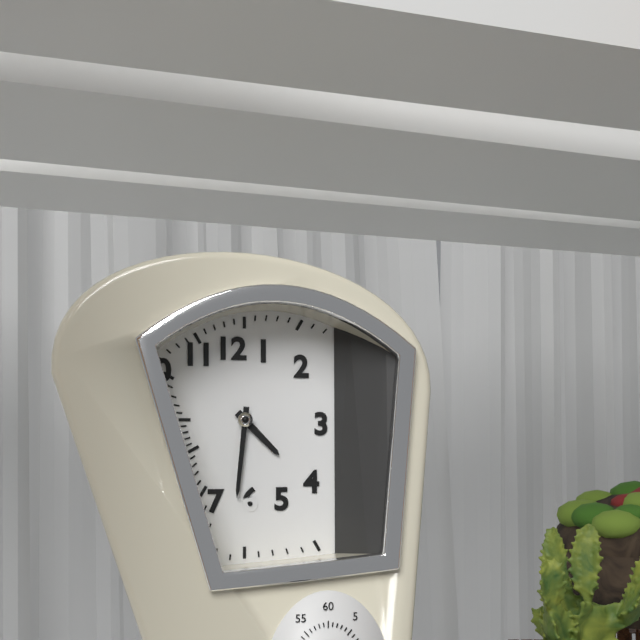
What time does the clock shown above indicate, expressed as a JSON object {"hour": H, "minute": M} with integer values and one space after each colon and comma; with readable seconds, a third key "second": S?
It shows {"hour": 4, "minute": 31}
